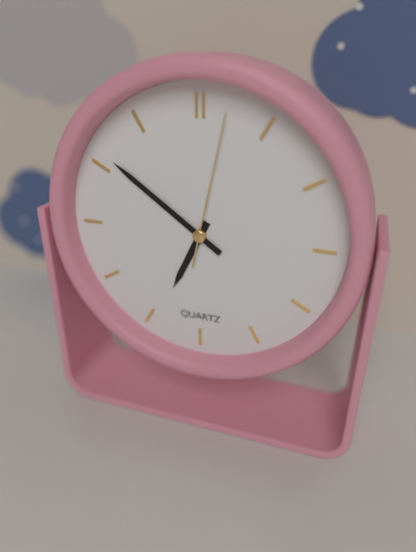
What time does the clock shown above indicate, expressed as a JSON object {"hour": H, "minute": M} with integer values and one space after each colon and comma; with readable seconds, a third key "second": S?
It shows {"hour": 6, "minute": 51, "second": 2}
